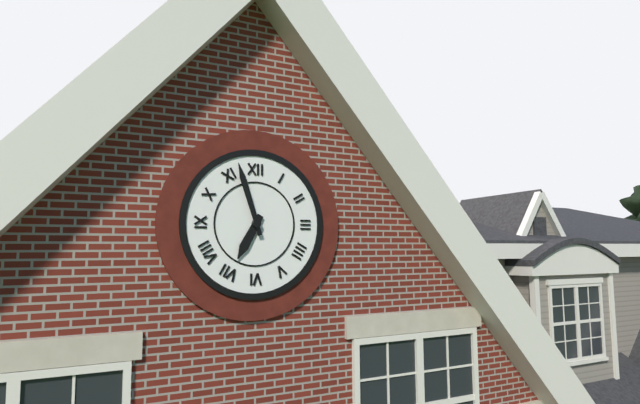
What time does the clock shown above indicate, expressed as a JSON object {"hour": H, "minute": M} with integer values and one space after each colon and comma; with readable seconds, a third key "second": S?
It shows {"hour": 6, "minute": 57}
